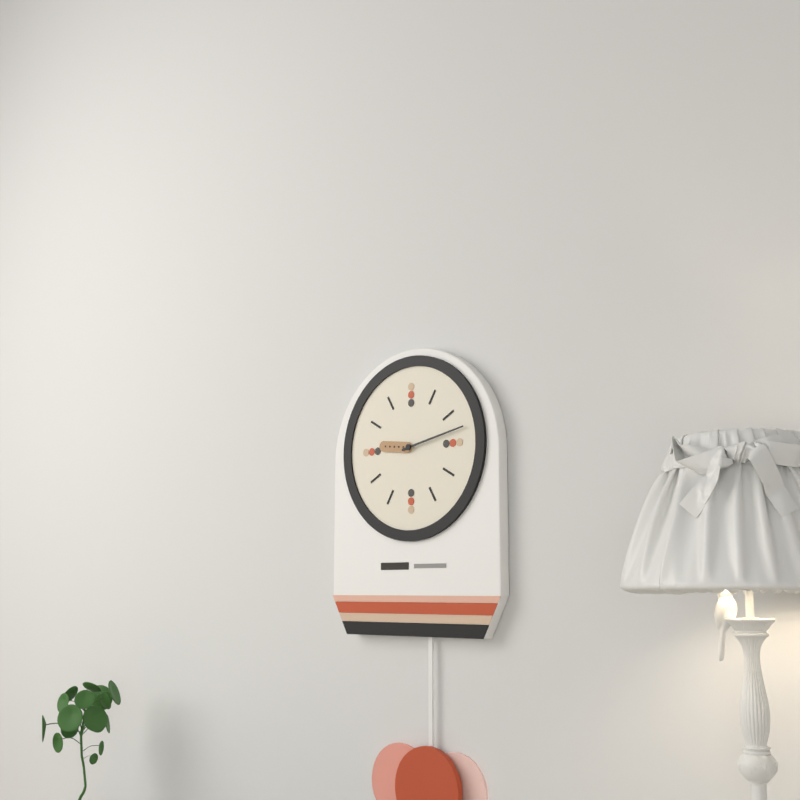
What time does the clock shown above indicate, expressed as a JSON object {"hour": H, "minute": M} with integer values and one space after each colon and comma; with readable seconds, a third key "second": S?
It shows {"hour": 9, "minute": 13}
